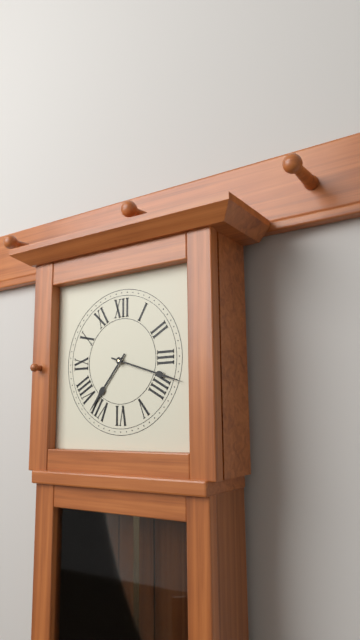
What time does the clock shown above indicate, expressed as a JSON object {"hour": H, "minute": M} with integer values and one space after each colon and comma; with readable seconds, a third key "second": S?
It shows {"hour": 7, "minute": 18}
